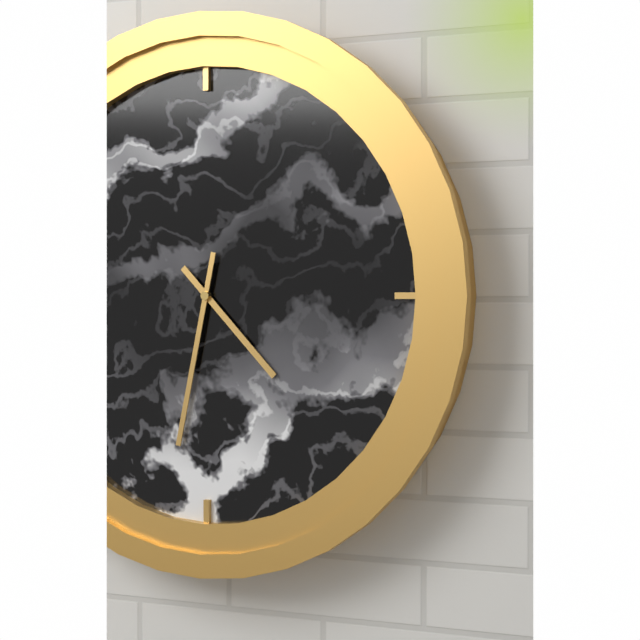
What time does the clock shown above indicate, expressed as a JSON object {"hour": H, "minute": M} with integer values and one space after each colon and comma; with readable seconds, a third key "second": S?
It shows {"hour": 4, "minute": 32}
